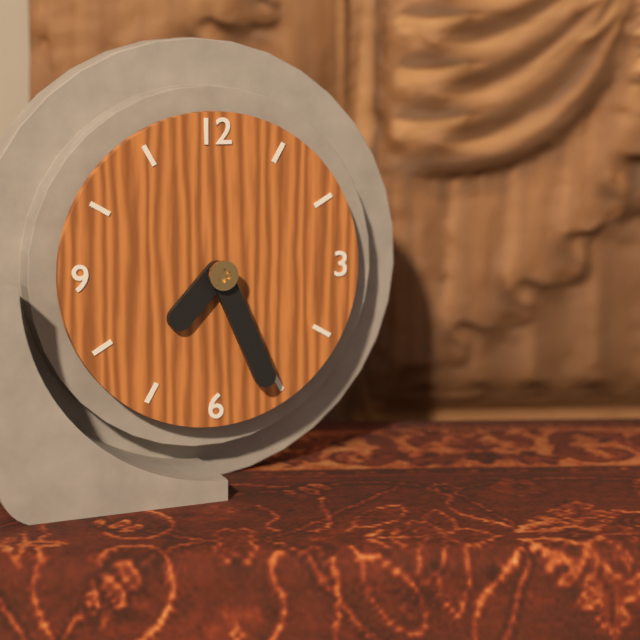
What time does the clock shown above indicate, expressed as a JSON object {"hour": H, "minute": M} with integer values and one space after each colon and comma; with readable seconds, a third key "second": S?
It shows {"hour": 7, "minute": 26}
